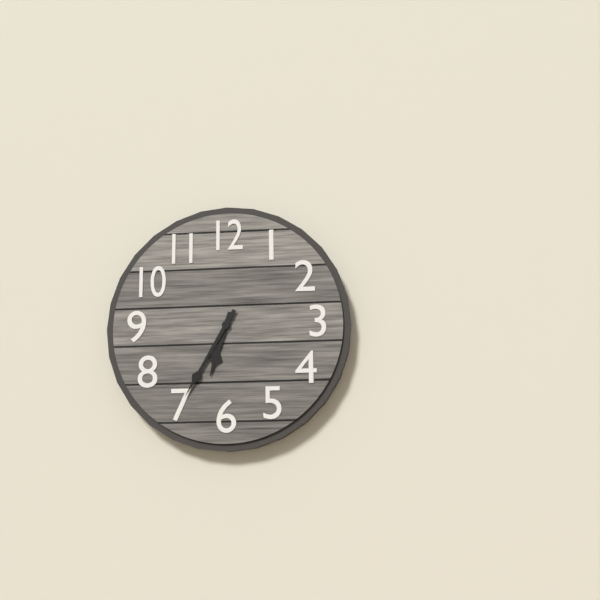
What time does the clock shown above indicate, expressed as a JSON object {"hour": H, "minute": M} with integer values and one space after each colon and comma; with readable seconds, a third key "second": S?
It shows {"hour": 6, "minute": 35}
